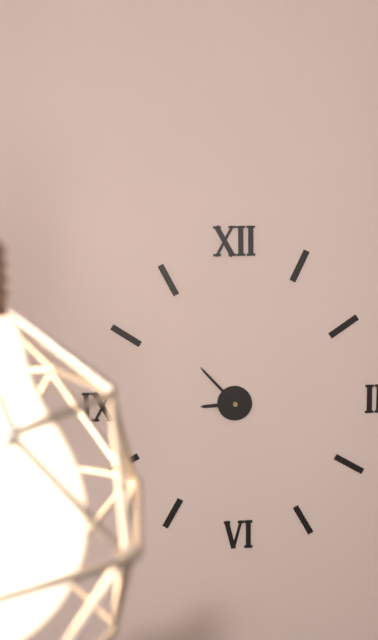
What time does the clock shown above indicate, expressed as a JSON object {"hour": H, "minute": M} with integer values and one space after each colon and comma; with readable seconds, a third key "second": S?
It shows {"hour": 8, "minute": 53}
